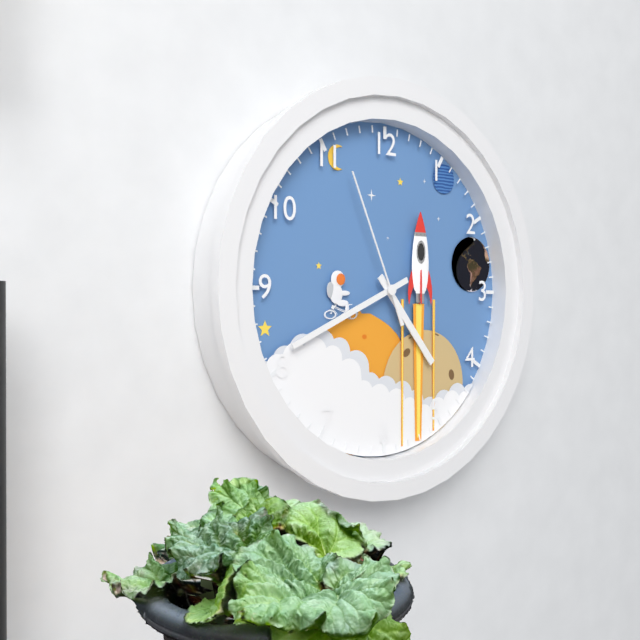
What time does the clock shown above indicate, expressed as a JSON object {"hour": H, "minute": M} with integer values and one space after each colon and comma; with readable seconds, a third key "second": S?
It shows {"hour": 4, "minute": 41, "second": 56}
